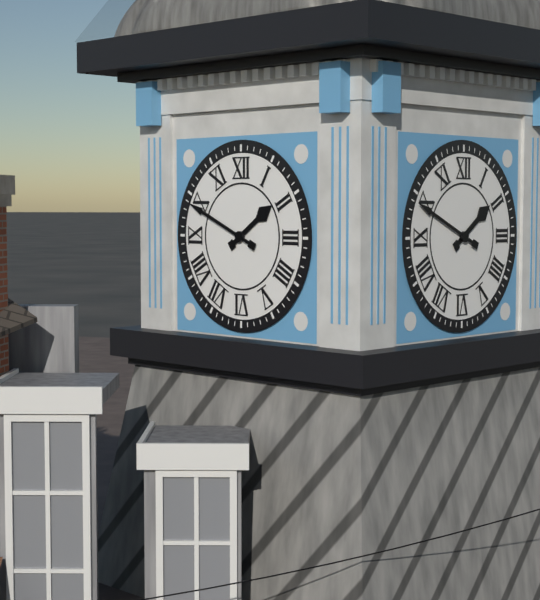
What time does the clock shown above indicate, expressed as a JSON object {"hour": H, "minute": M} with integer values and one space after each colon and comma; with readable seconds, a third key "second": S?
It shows {"hour": 1, "minute": 49}
